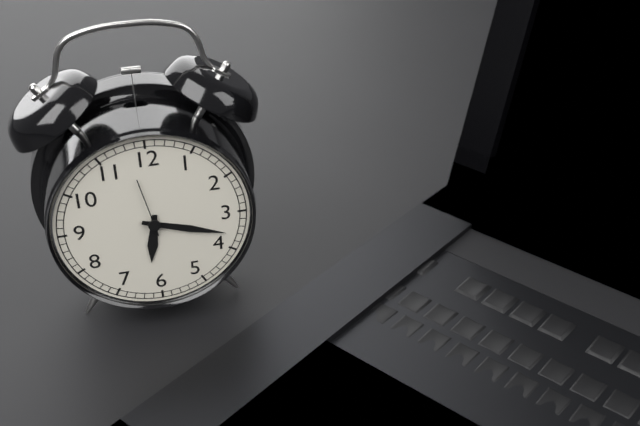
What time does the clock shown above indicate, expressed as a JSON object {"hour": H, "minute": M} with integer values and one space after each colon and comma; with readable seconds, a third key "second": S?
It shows {"hour": 6, "minute": 18, "second": 58}
